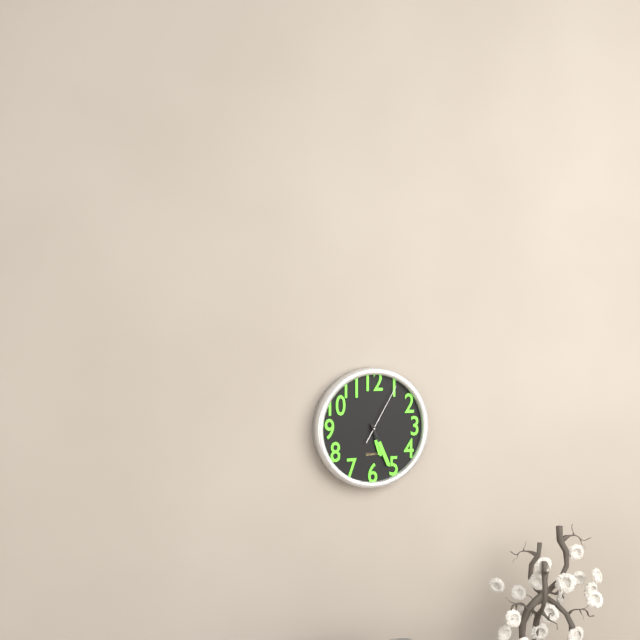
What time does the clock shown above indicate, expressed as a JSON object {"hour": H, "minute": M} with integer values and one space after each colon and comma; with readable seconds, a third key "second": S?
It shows {"hour": 5, "minute": 26, "second": 5}
